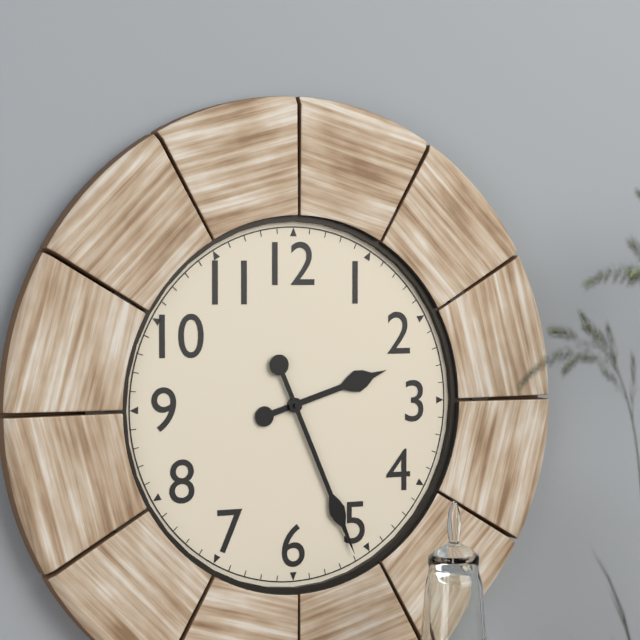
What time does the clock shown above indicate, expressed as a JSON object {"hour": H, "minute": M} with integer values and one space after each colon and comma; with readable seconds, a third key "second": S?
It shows {"hour": 2, "minute": 26}
